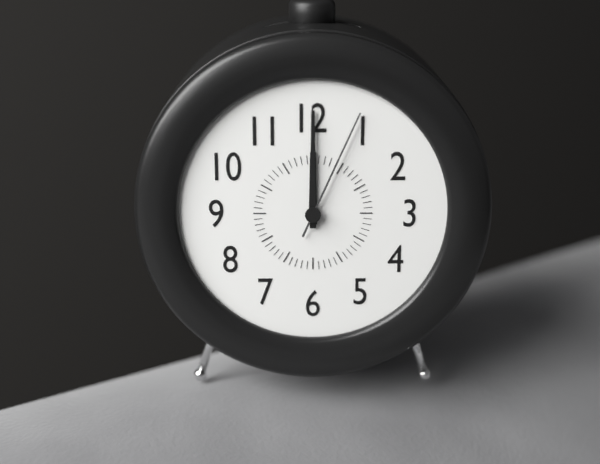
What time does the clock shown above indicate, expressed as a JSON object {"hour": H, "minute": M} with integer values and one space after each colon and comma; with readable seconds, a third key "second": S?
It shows {"hour": 12, "minute": 0, "second": 4}
